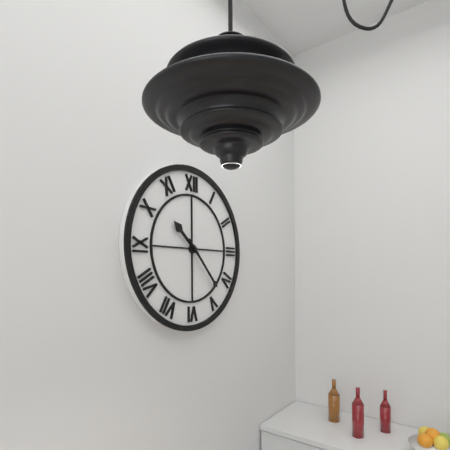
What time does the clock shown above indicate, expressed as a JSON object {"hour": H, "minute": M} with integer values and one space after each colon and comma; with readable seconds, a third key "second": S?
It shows {"hour": 10, "minute": 23}
